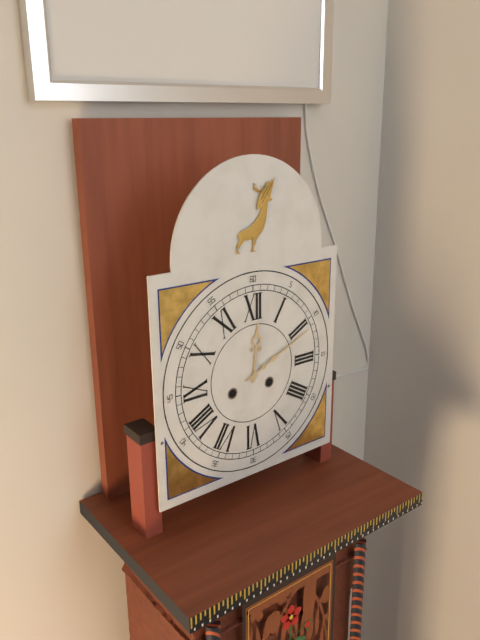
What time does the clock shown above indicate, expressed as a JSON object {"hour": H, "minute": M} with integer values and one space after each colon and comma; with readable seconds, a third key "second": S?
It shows {"hour": 12, "minute": 11}
